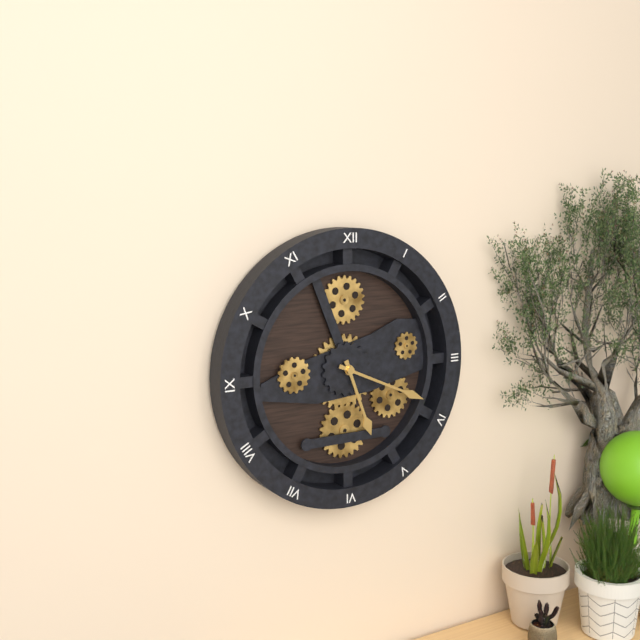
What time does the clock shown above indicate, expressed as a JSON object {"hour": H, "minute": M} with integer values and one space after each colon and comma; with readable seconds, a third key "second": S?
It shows {"hour": 5, "minute": 19}
